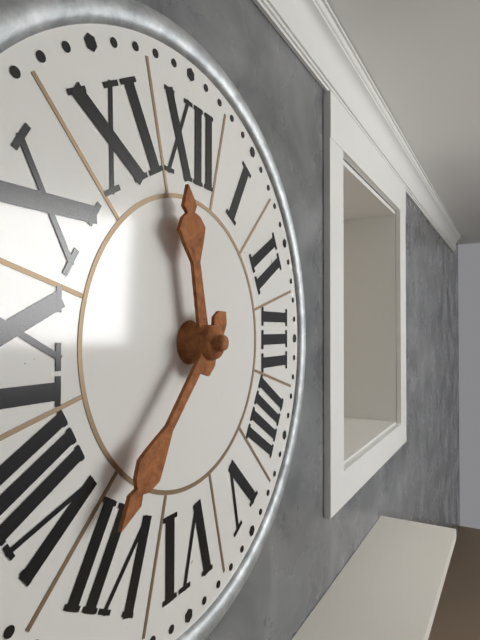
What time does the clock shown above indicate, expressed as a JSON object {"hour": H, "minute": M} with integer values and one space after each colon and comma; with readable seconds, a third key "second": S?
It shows {"hour": 11, "minute": 37}
